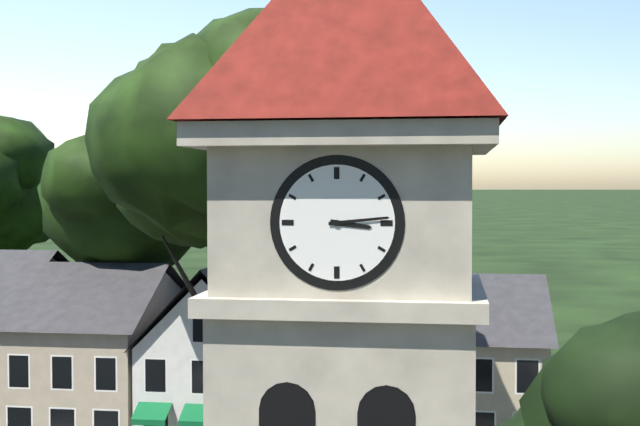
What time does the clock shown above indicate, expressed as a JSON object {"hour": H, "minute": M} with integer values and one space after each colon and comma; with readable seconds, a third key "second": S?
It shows {"hour": 3, "minute": 14}
